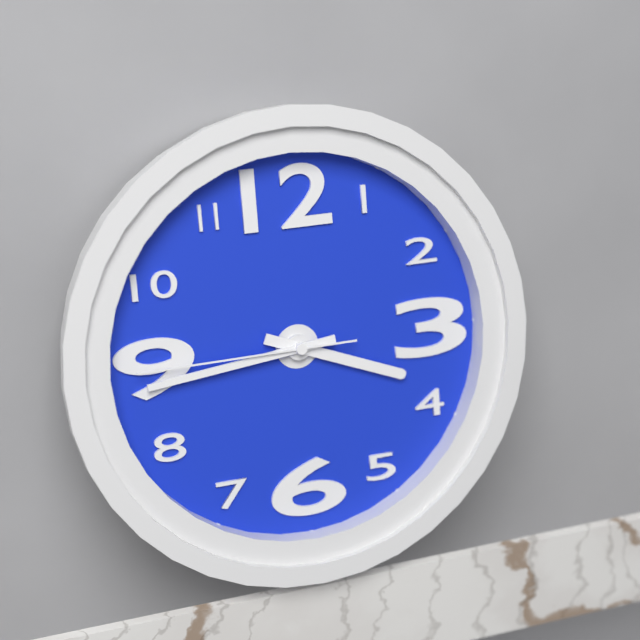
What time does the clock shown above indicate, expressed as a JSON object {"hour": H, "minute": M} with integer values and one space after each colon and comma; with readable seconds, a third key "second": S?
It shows {"hour": 3, "minute": 44, "second": 45}
